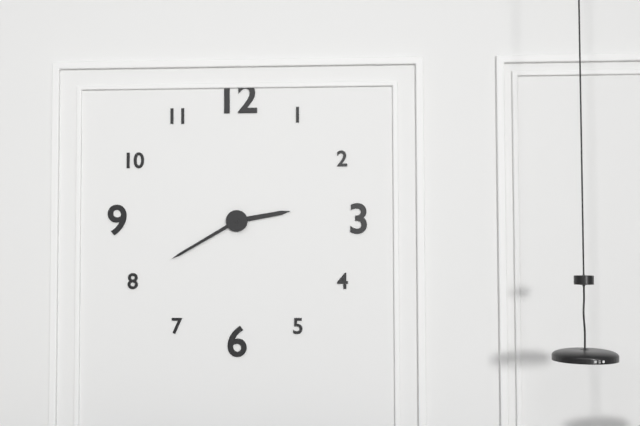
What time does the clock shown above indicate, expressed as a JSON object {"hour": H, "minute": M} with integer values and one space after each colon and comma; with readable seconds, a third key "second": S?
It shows {"hour": 2, "minute": 40}
